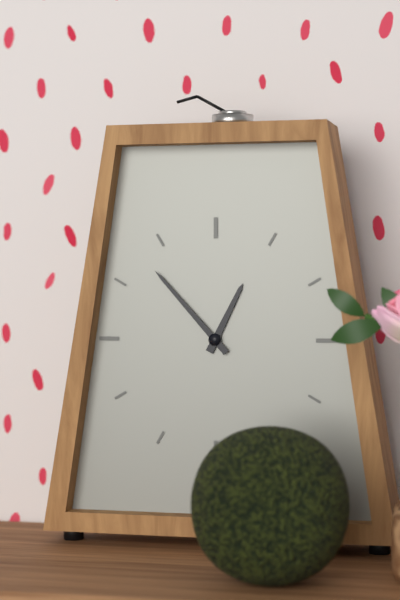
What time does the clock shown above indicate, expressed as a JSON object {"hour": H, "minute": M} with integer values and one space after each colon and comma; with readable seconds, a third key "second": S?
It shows {"hour": 12, "minute": 53}
